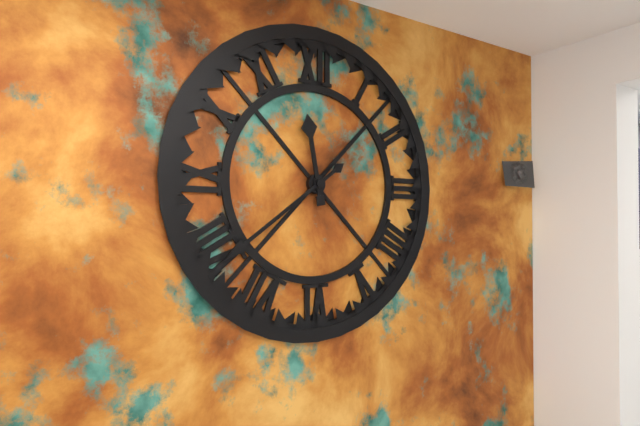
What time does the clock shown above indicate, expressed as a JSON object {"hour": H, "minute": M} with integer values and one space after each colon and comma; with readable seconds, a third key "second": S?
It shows {"hour": 11, "minute": 39}
